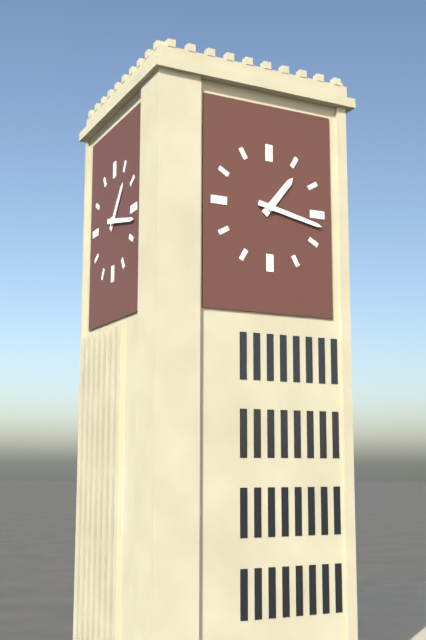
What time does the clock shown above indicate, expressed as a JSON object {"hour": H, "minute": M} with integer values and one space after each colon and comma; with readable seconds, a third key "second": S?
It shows {"hour": 1, "minute": 17}
